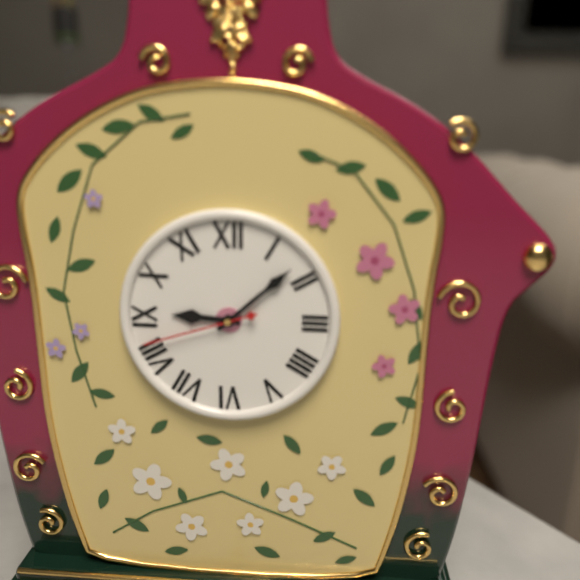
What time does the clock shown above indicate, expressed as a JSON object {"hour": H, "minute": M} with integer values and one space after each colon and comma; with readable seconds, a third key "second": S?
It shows {"hour": 9, "minute": 8, "second": 42}
